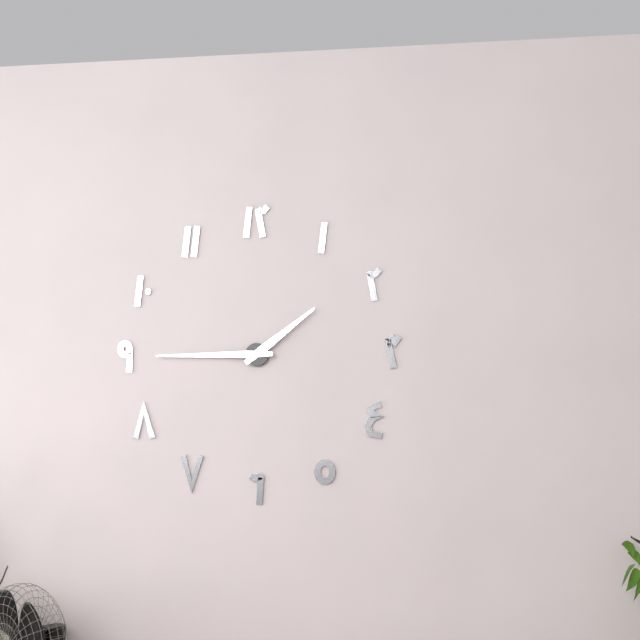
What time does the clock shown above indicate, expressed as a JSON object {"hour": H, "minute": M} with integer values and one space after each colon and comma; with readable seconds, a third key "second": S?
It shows {"hour": 1, "minute": 45}
